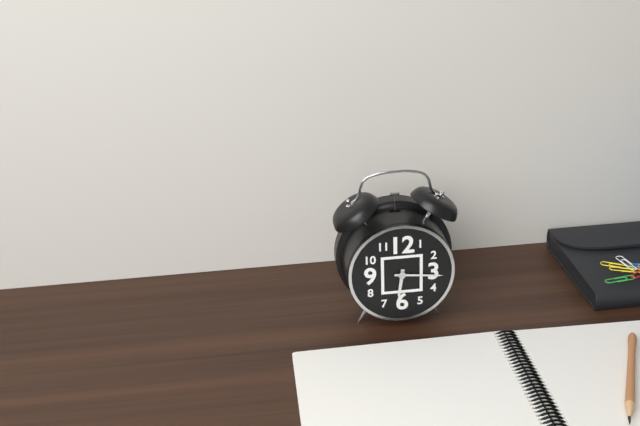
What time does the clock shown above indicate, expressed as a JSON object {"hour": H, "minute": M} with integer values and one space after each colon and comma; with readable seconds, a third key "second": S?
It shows {"hour": 6, "minute": 16}
